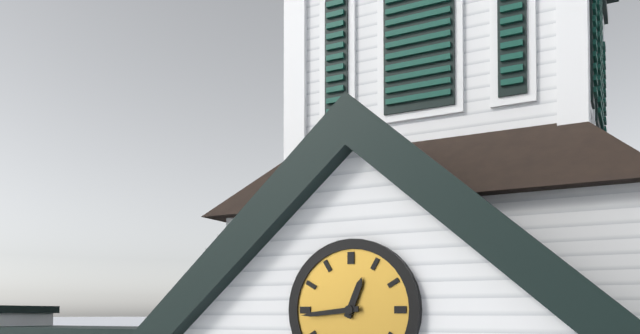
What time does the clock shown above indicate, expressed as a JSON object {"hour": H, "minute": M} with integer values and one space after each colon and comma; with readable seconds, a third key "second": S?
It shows {"hour": 12, "minute": 44}
